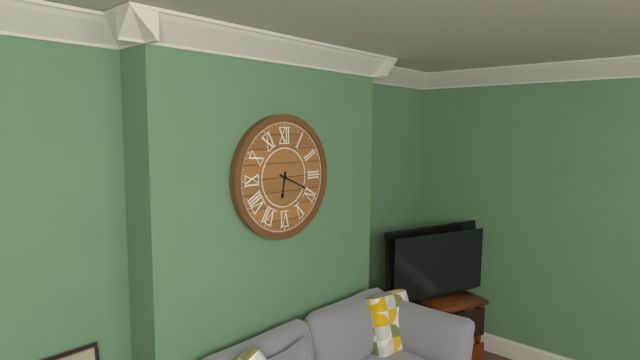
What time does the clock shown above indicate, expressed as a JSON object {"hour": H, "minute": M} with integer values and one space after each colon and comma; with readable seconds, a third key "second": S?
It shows {"hour": 6, "minute": 19}
